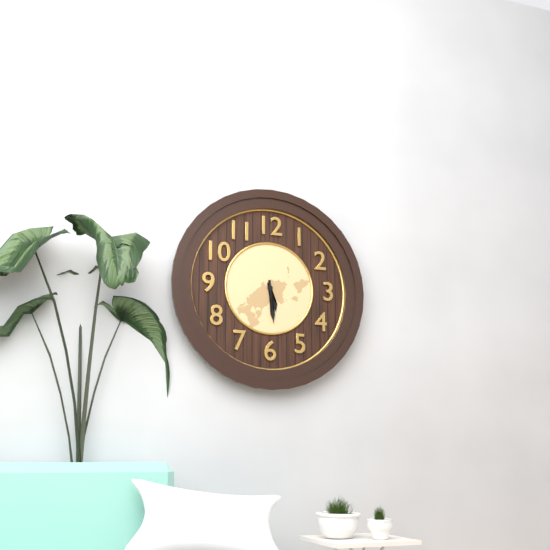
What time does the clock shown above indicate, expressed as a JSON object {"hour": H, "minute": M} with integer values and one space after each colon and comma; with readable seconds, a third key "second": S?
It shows {"hour": 5, "minute": 29}
